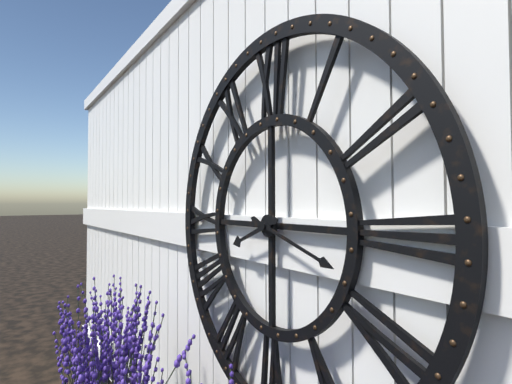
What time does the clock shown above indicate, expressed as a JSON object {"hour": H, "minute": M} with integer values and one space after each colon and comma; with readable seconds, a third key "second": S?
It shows {"hour": 8, "minute": 18}
